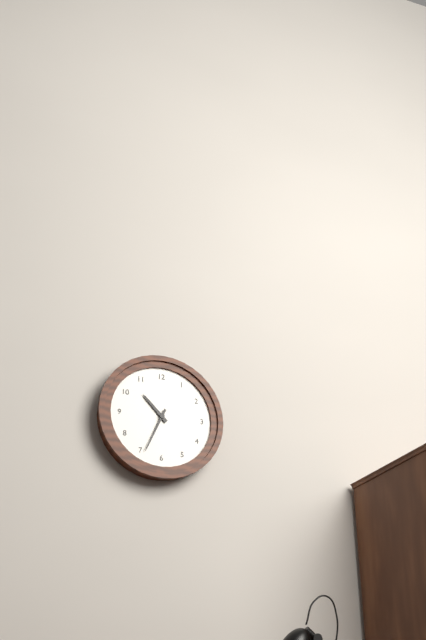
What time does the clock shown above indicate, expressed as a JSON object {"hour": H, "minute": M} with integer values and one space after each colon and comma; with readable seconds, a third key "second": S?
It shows {"hour": 10, "minute": 34}
